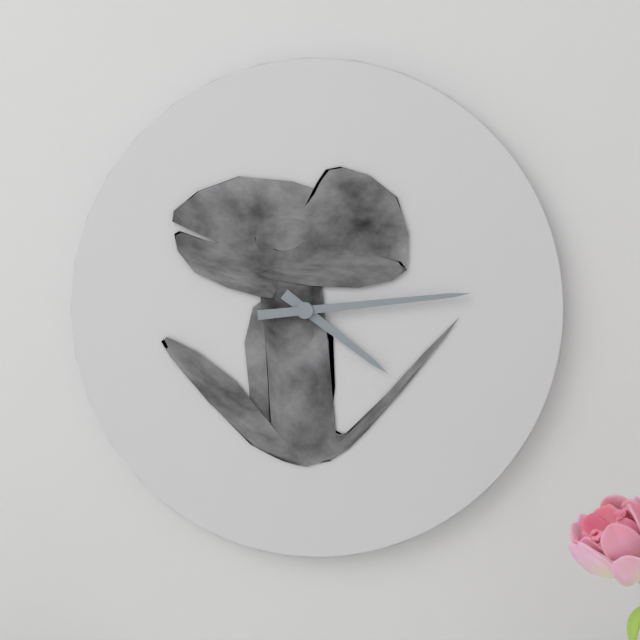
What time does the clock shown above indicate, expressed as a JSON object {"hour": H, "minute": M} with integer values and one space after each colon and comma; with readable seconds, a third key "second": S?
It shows {"hour": 4, "minute": 14}
